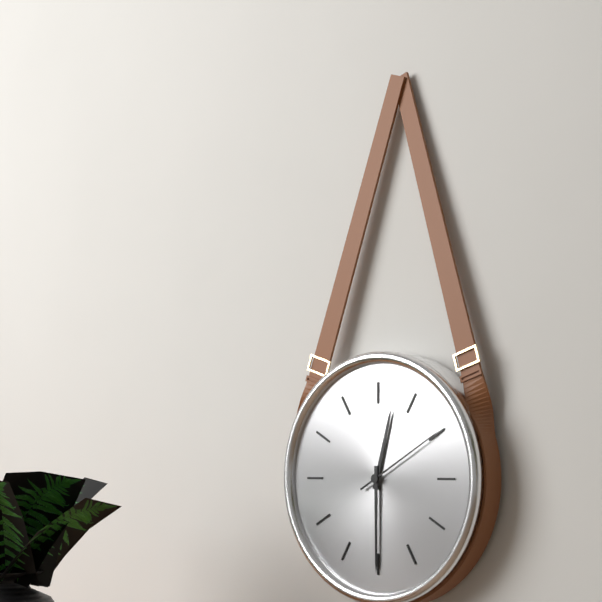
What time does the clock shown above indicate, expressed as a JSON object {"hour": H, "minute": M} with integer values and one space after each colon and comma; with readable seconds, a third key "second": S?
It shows {"hour": 12, "minute": 30, "second": 10}
